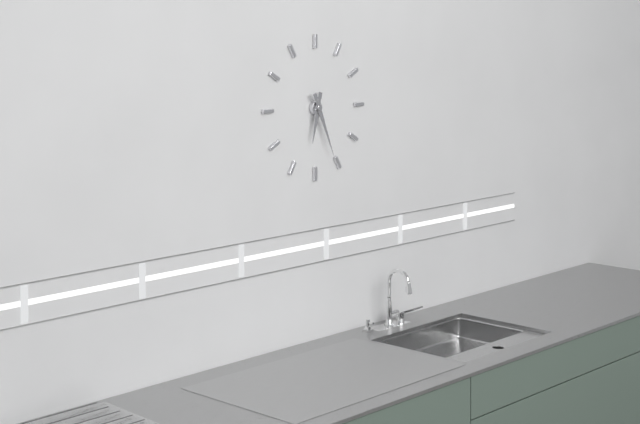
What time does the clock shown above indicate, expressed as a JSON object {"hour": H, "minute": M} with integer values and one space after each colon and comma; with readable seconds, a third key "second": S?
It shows {"hour": 6, "minute": 26}
